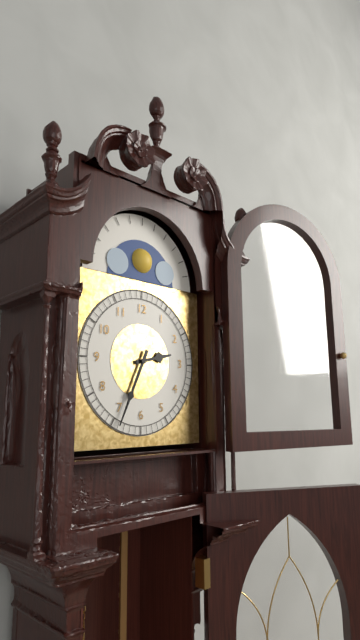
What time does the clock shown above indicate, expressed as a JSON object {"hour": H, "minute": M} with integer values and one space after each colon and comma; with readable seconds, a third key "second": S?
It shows {"hour": 2, "minute": 34}
